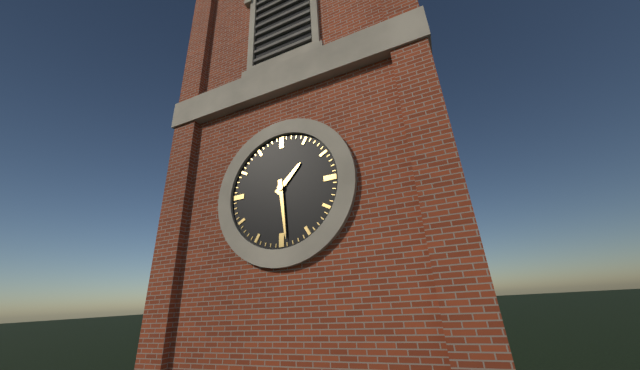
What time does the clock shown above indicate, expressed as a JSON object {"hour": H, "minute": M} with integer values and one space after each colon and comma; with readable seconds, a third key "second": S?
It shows {"hour": 1, "minute": 29}
